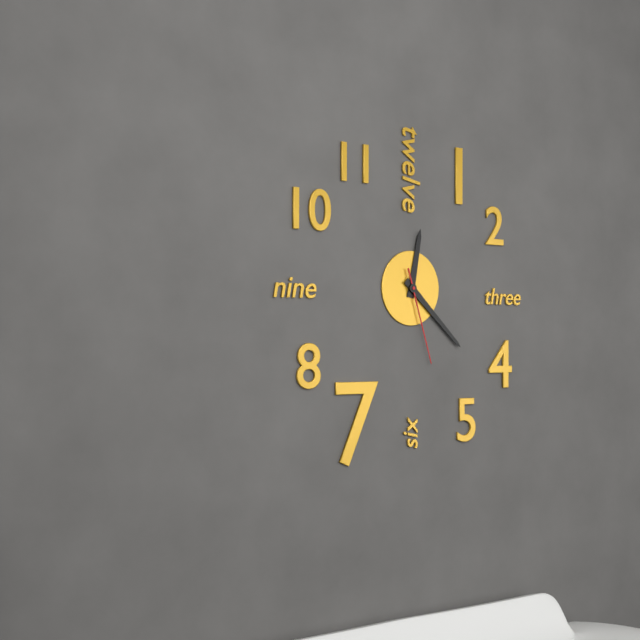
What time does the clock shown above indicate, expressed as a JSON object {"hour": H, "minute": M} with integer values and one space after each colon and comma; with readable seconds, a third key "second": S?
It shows {"hour": 12, "minute": 22, "second": 27}
